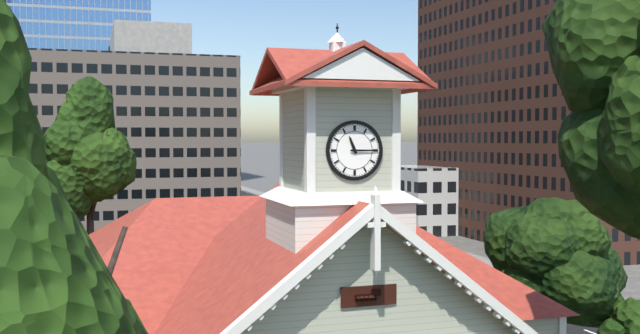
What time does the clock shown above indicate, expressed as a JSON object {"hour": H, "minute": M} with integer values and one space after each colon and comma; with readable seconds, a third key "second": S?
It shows {"hour": 11, "minute": 15}
